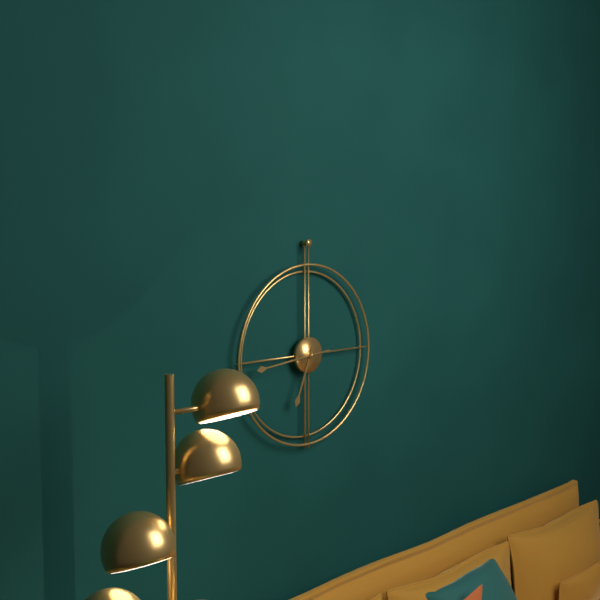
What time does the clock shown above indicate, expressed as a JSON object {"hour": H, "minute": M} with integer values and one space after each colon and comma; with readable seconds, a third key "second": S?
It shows {"hour": 6, "minute": 44}
